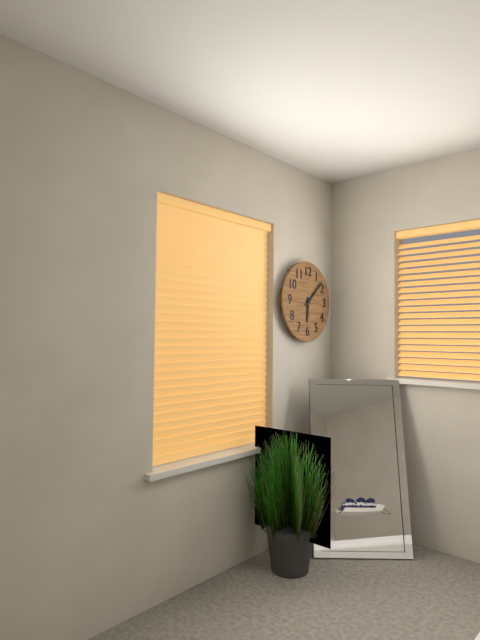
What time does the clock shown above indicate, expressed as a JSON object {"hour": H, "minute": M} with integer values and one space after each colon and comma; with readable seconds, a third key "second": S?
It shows {"hour": 6, "minute": 8}
